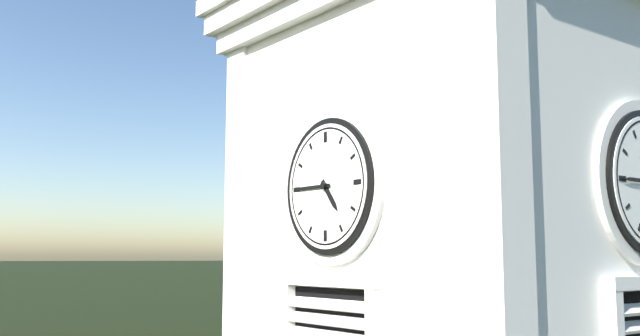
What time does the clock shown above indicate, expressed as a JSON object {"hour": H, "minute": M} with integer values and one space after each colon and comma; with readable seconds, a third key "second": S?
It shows {"hour": 4, "minute": 45}
